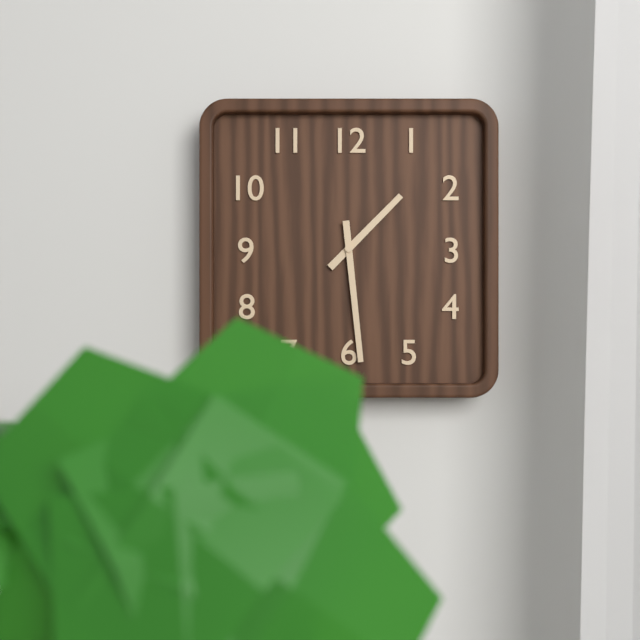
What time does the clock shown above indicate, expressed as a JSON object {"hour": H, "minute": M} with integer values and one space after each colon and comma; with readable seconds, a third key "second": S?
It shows {"hour": 1, "minute": 29}
